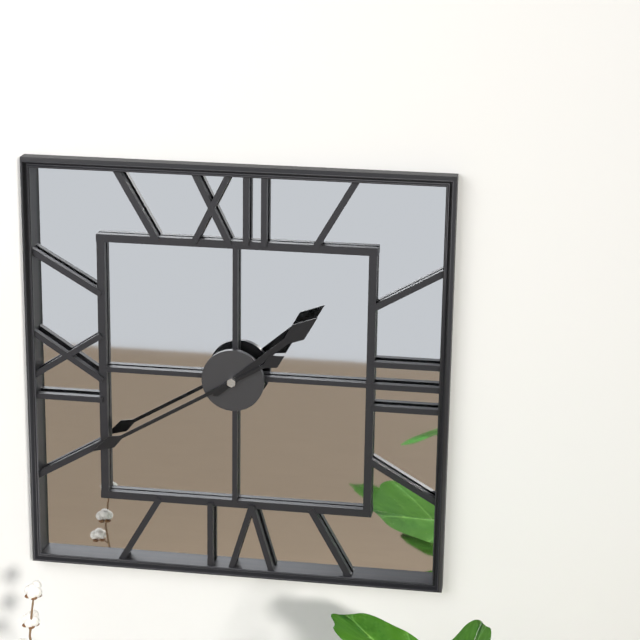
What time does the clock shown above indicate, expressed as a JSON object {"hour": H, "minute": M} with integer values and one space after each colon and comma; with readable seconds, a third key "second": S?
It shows {"hour": 1, "minute": 40}
